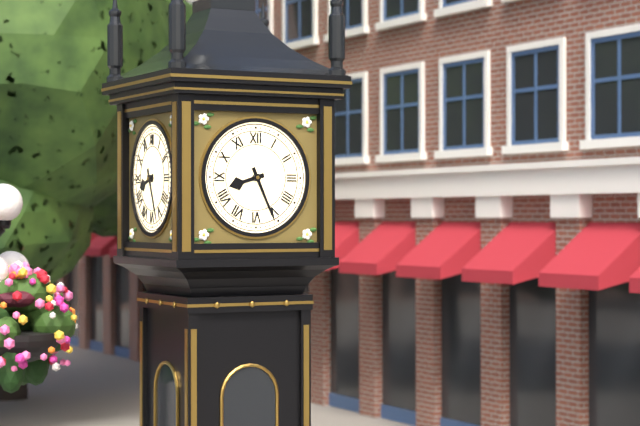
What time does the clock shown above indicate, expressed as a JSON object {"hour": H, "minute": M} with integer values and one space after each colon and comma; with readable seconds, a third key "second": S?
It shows {"hour": 8, "minute": 26}
